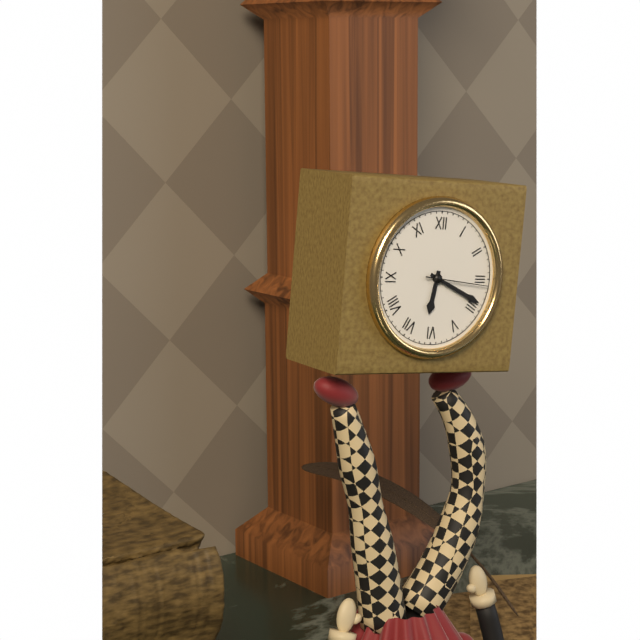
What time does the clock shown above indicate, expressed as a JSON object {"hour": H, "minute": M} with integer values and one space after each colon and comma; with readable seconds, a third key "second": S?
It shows {"hour": 6, "minute": 19, "second": 16}
